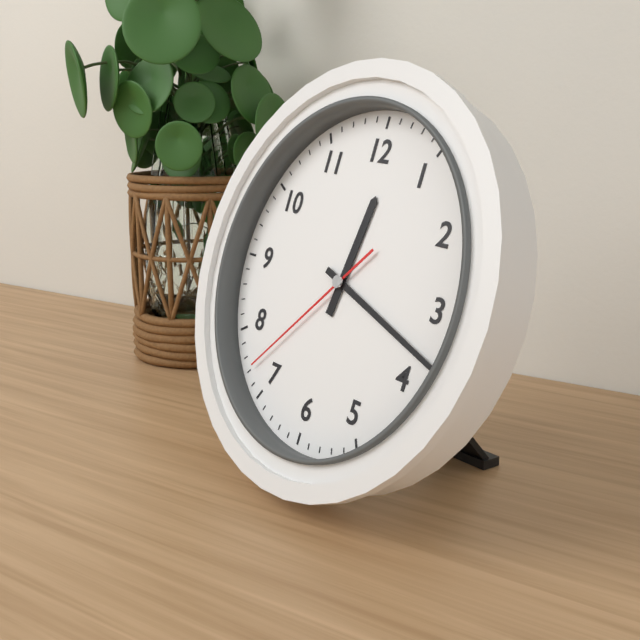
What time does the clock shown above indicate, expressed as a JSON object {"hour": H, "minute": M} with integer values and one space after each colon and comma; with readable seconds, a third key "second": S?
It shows {"hour": 12, "minute": 18, "second": 37}
